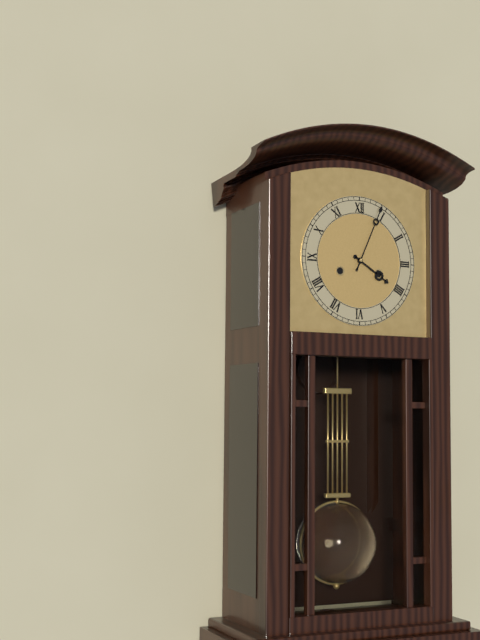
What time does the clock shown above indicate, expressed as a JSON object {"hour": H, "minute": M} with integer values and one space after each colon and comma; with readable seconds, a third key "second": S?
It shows {"hour": 4, "minute": 4}
